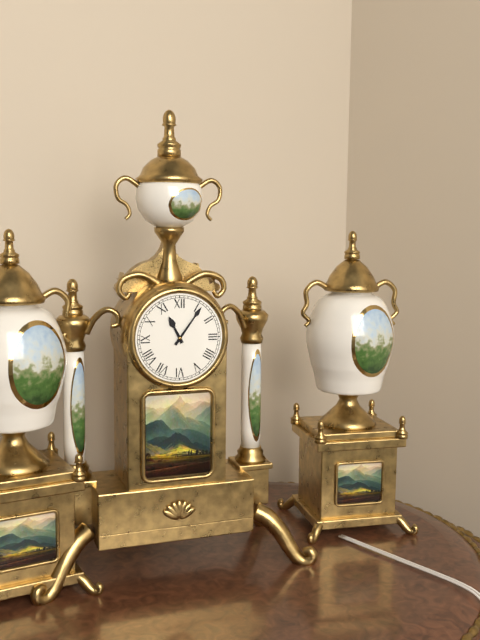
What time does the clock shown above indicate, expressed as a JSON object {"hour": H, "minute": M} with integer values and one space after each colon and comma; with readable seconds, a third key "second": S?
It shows {"hour": 11, "minute": 6}
